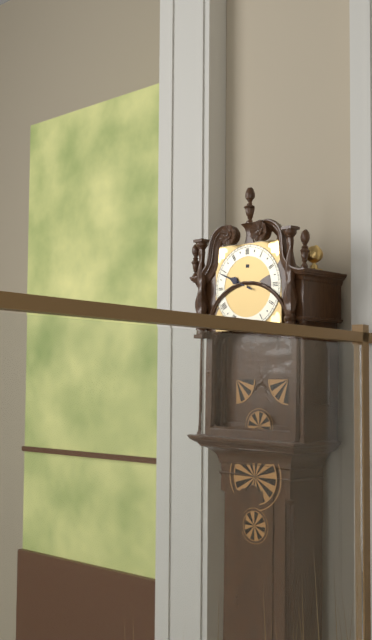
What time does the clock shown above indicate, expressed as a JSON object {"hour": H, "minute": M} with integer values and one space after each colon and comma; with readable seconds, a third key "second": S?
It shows {"hour": 9, "minute": 49}
